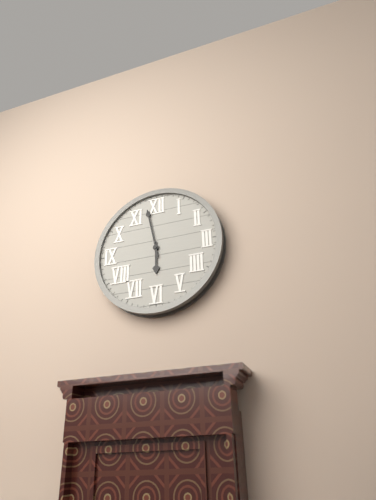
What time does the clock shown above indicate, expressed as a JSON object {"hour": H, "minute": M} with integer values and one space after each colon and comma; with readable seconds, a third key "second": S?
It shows {"hour": 5, "minute": 58}
